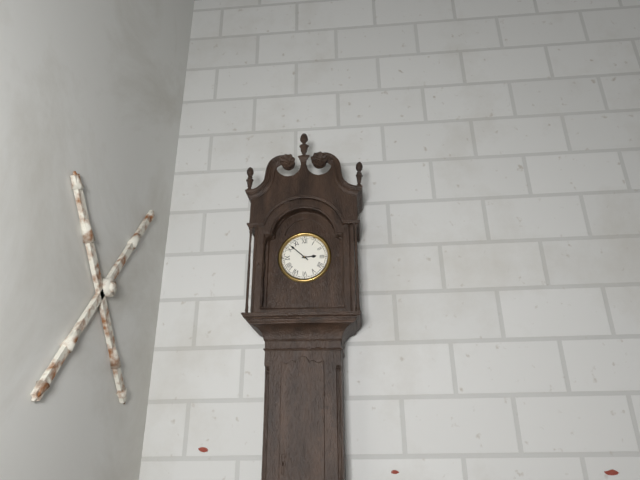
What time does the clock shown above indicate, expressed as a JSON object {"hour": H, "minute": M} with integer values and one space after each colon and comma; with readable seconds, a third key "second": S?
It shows {"hour": 2, "minute": 52}
